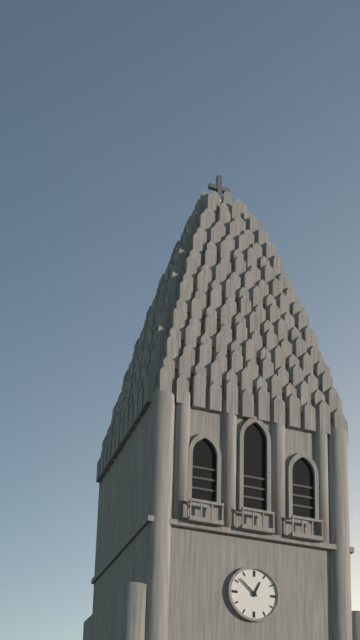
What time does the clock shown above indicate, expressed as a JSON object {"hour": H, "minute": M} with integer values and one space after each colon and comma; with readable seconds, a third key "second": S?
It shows {"hour": 12, "minute": 52}
